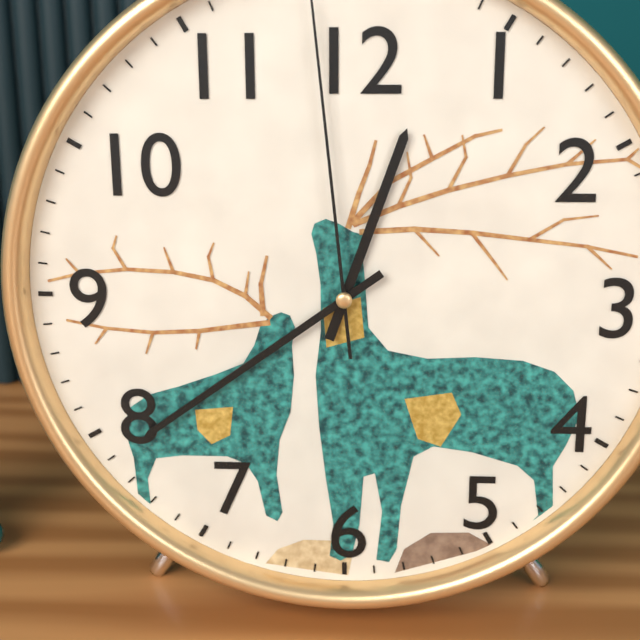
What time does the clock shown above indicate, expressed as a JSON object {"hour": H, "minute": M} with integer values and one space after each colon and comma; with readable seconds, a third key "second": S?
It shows {"hour": 12, "minute": 39}
